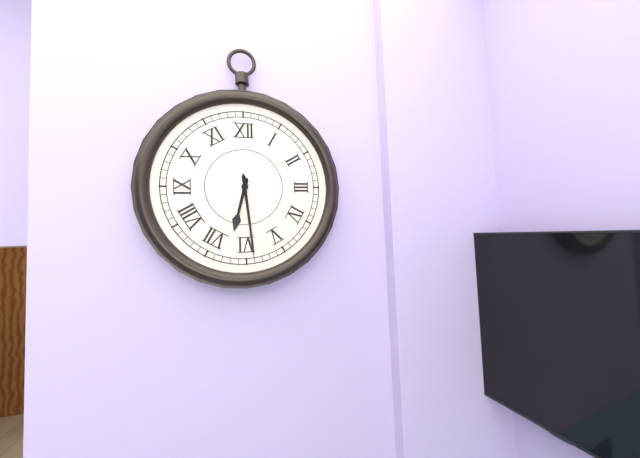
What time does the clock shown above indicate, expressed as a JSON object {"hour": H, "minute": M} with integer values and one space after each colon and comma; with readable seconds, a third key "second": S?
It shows {"hour": 6, "minute": 29}
